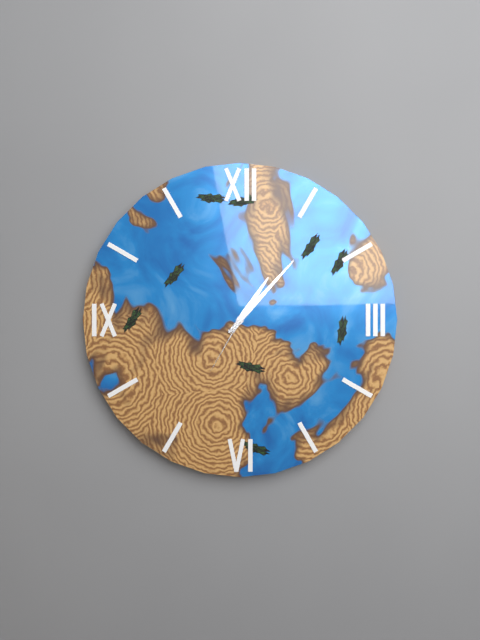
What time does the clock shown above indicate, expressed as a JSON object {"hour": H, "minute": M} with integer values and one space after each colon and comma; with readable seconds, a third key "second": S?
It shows {"hour": 1, "minute": 7, "second": 35}
